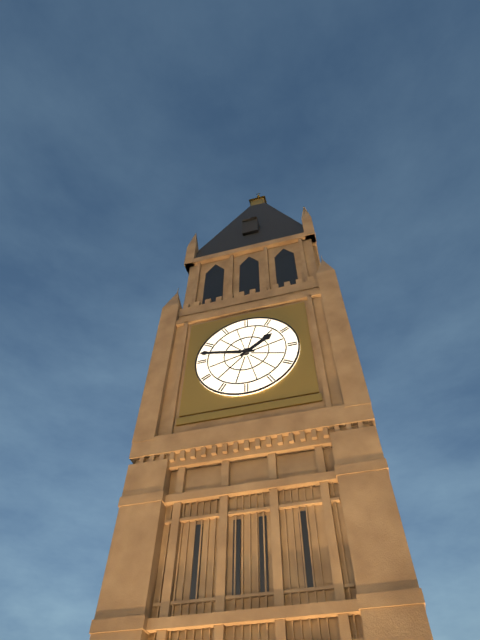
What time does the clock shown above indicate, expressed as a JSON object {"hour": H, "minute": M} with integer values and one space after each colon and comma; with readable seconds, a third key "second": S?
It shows {"hour": 1, "minute": 47}
